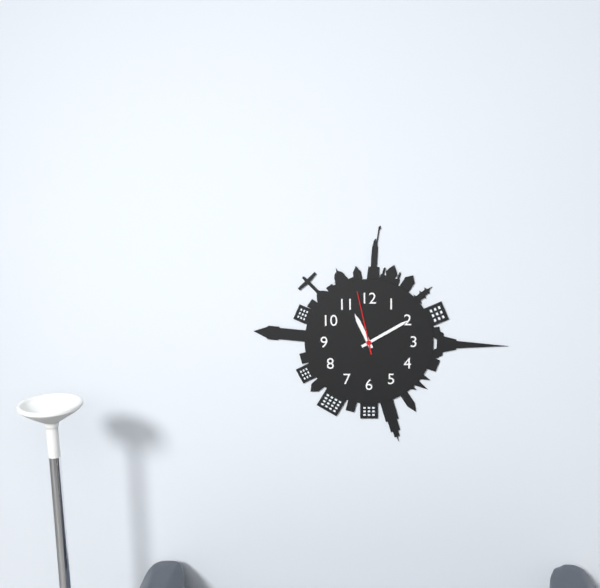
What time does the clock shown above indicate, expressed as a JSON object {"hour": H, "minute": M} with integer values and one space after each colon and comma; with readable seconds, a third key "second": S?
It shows {"hour": 11, "minute": 10, "second": 58}
